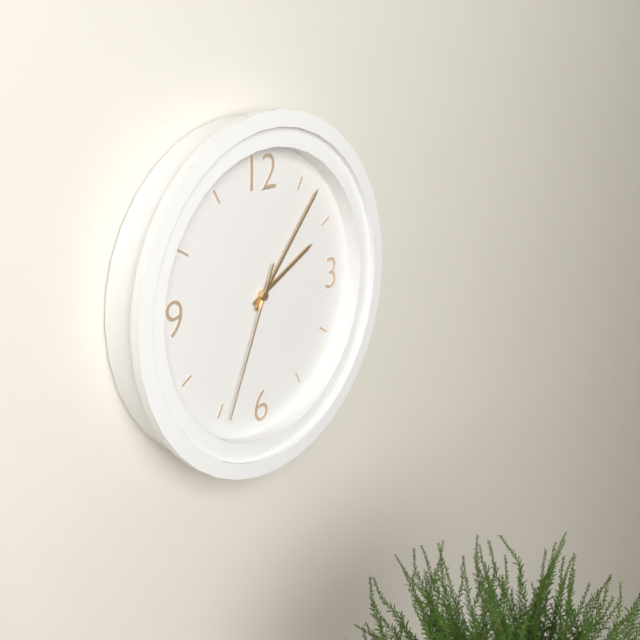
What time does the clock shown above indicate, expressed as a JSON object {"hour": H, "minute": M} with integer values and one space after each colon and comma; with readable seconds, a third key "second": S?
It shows {"hour": 2, "minute": 7, "second": 34}
